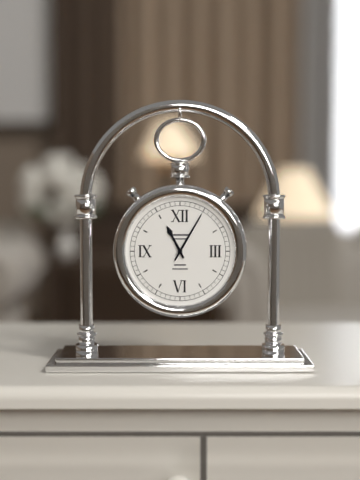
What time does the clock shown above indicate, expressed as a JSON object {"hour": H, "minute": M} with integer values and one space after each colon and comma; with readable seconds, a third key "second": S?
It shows {"hour": 11, "minute": 5}
